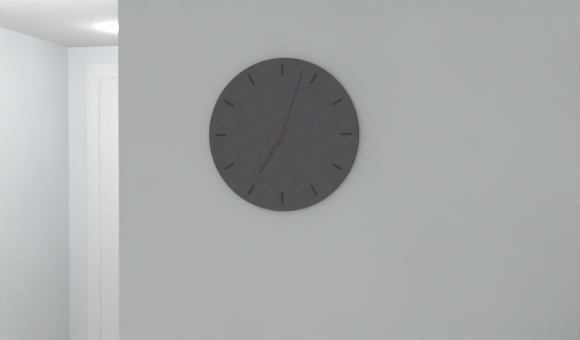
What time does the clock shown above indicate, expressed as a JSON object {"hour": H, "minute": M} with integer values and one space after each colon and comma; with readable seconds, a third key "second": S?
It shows {"hour": 7, "minute": 3}
